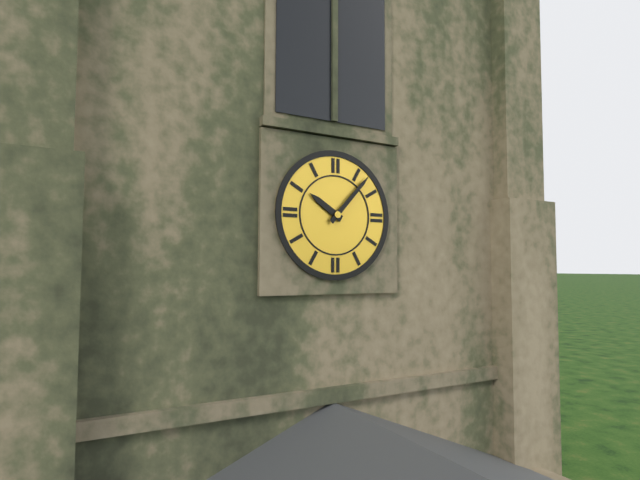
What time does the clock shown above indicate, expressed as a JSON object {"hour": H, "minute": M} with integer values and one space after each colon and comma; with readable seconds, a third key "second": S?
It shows {"hour": 10, "minute": 7}
